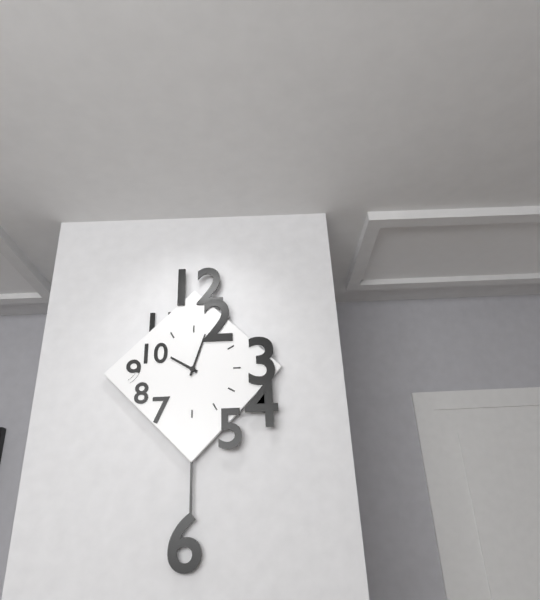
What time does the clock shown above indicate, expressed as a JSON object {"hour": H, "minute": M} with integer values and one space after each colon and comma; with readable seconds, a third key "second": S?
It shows {"hour": 10, "minute": 3}
